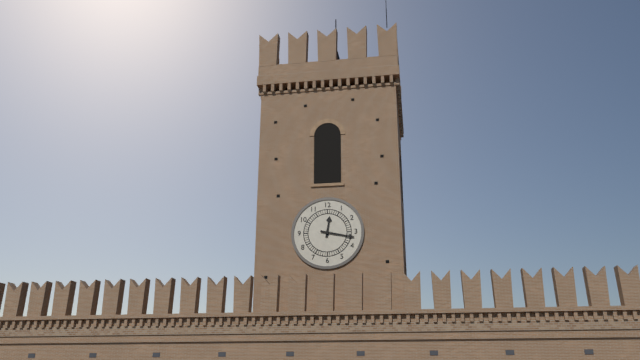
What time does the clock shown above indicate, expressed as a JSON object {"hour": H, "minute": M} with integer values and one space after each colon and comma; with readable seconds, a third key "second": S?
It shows {"hour": 12, "minute": 17}
